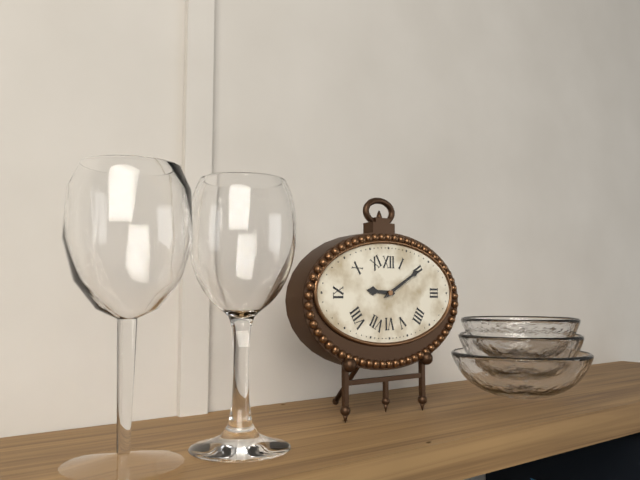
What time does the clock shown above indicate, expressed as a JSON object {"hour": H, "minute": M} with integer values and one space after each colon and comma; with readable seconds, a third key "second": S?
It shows {"hour": 9, "minute": 10}
